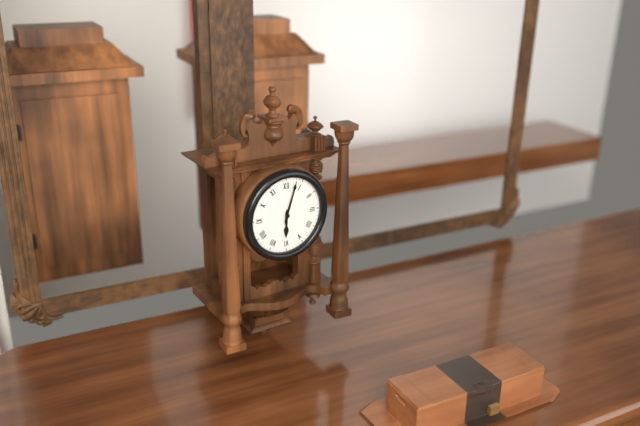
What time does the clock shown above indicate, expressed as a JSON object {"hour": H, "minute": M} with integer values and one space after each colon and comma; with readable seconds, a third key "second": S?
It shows {"hour": 6, "minute": 3}
